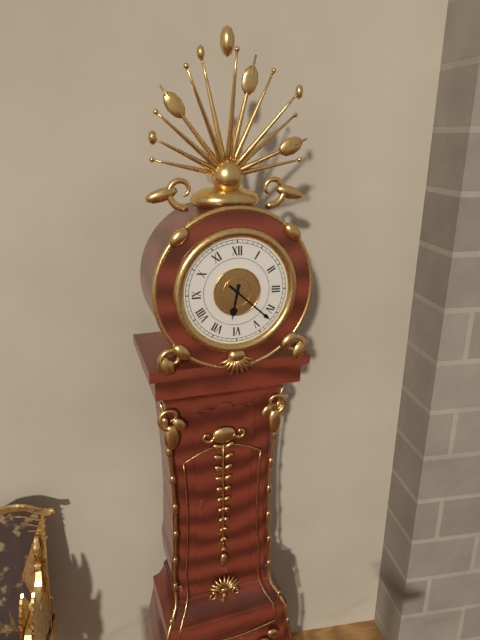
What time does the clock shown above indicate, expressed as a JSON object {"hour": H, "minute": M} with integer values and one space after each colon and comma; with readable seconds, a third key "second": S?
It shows {"hour": 6, "minute": 22}
